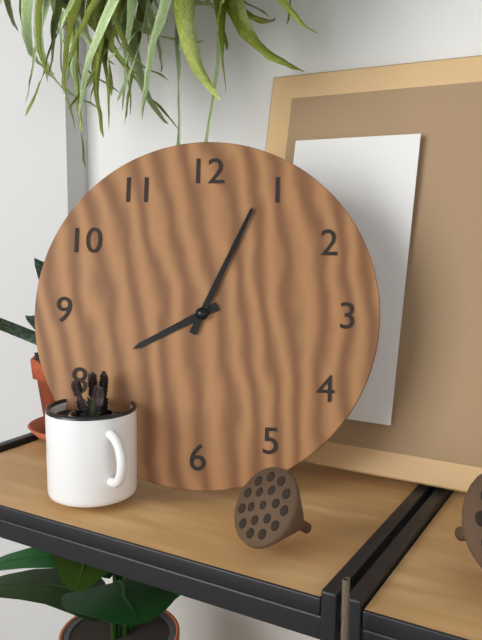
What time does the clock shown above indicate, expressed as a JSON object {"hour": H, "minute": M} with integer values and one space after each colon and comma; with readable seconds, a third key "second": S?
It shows {"hour": 8, "minute": 4}
